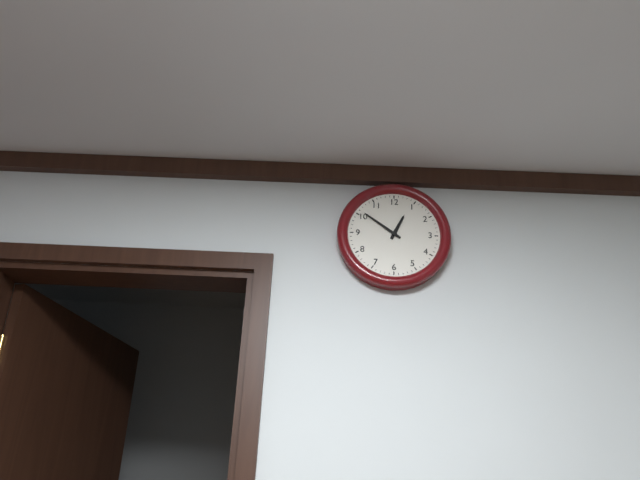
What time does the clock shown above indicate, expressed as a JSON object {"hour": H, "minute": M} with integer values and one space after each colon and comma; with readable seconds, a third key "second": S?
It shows {"hour": 12, "minute": 51}
